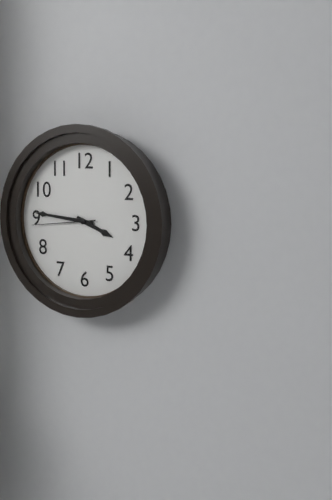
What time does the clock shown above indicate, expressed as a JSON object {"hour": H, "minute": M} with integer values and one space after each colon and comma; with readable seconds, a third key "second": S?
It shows {"hour": 3, "minute": 46, "second": 44}
